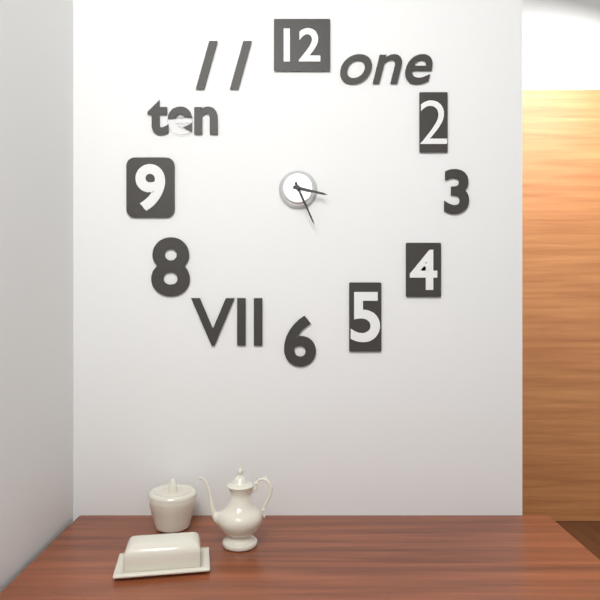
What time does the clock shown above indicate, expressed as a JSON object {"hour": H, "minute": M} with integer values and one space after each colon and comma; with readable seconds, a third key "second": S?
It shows {"hour": 3, "minute": 26}
